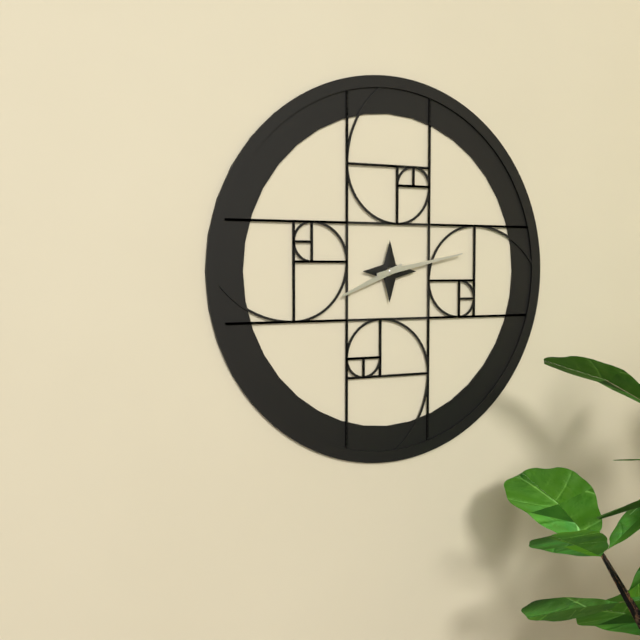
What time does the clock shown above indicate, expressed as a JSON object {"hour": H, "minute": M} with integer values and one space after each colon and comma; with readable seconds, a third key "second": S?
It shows {"hour": 8, "minute": 13}
